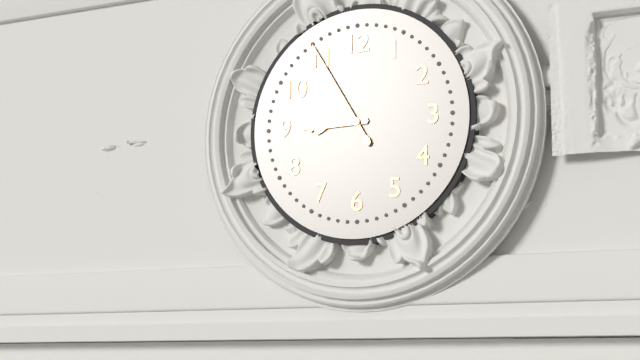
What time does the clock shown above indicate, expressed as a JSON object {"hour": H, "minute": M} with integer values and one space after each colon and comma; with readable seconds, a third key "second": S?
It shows {"hour": 8, "minute": 55}
